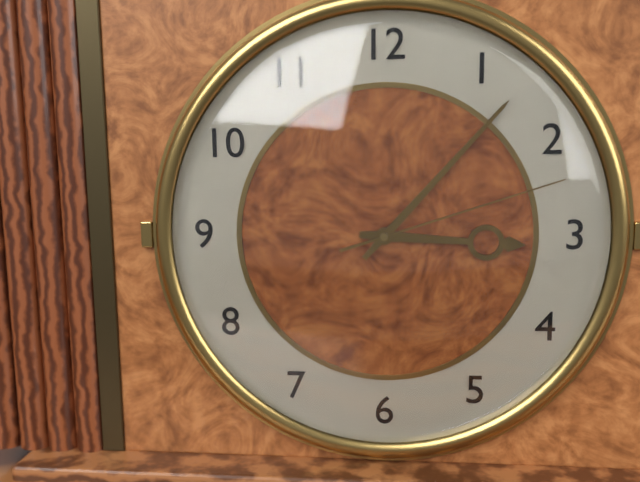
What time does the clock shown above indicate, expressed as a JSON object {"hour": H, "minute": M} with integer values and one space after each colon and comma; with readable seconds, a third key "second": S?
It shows {"hour": 3, "minute": 7, "second": 12}
